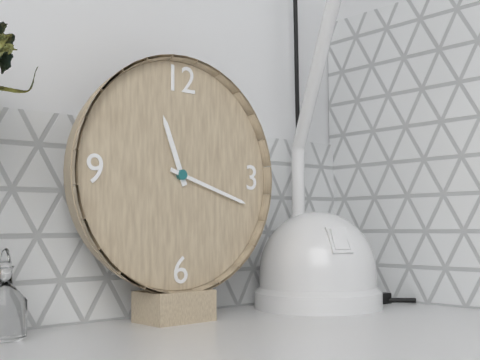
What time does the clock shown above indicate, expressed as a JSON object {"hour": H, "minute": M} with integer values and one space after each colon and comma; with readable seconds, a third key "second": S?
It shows {"hour": 11, "minute": 18}
